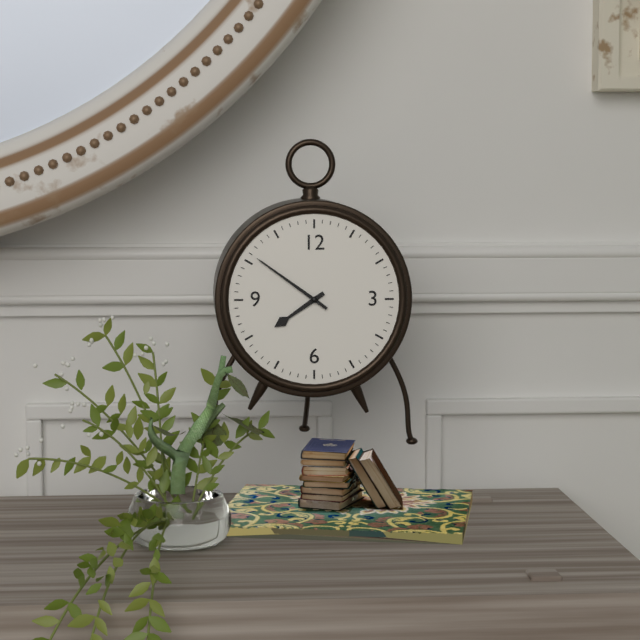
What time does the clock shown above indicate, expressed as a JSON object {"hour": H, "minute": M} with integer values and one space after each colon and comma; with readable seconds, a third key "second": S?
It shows {"hour": 7, "minute": 51}
